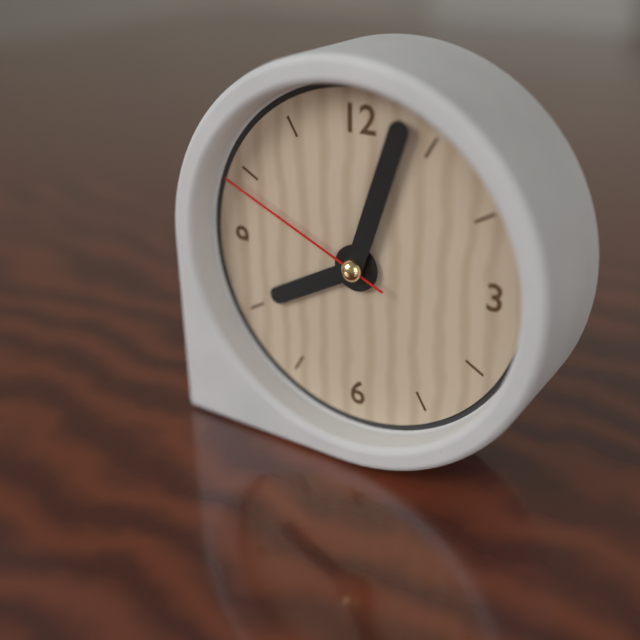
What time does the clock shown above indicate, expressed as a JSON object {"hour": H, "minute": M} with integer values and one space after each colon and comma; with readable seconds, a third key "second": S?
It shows {"hour": 8, "minute": 3, "second": 49}
